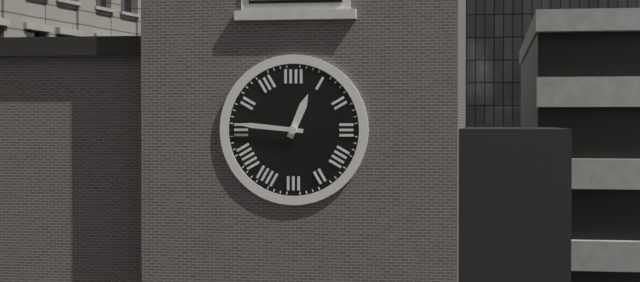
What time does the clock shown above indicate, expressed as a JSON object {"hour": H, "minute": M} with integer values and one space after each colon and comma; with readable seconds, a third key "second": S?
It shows {"hour": 12, "minute": 46}
